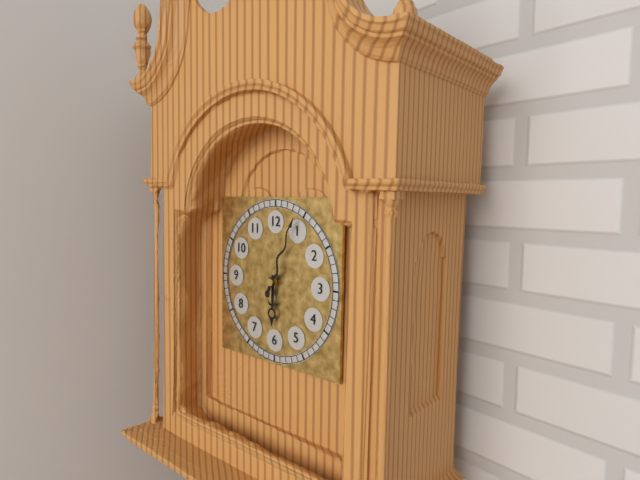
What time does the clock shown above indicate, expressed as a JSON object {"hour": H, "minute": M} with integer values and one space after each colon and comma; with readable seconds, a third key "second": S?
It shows {"hour": 6, "minute": 4}
